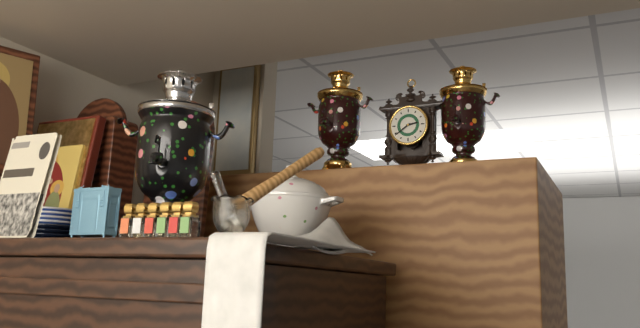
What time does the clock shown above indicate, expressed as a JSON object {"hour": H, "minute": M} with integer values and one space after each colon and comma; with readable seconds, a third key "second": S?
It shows {"hour": 2, "minute": 39}
